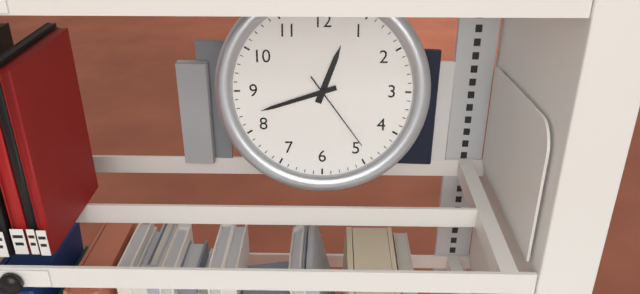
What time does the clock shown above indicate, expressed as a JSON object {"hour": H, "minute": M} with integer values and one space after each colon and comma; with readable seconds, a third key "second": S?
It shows {"hour": 12, "minute": 42, "second": 24}
